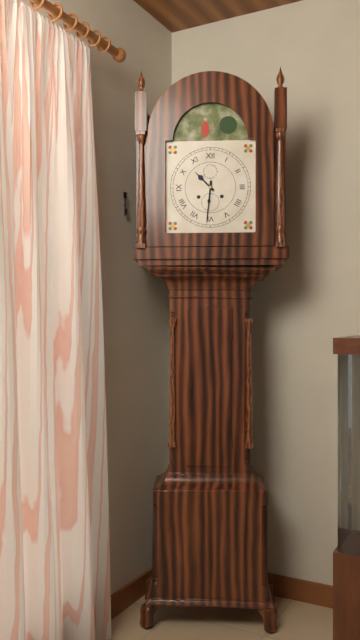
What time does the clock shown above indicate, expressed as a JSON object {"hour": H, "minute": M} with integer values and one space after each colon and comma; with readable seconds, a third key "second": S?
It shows {"hour": 10, "minute": 31}
